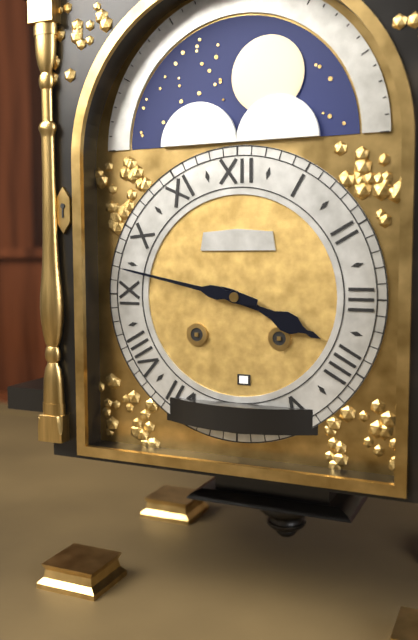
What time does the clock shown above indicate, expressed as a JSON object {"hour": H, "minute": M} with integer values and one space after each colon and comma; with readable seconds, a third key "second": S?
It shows {"hour": 3, "minute": 47}
